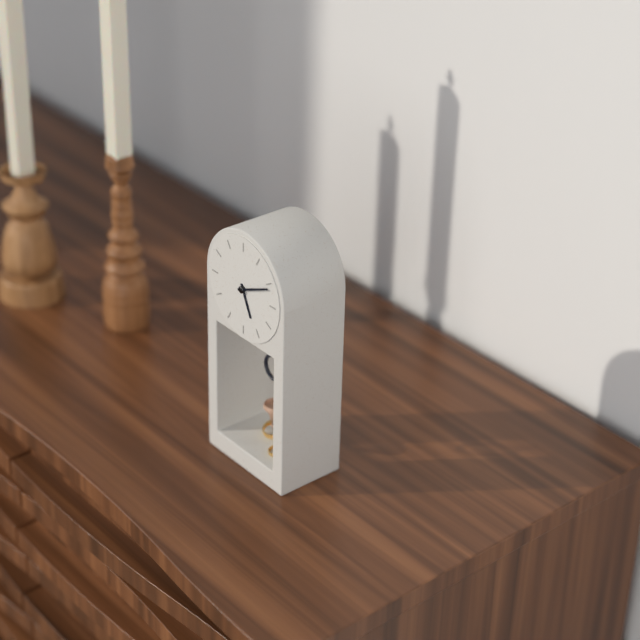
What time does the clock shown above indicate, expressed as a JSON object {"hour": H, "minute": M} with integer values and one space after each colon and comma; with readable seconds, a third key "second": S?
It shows {"hour": 5, "minute": 11}
